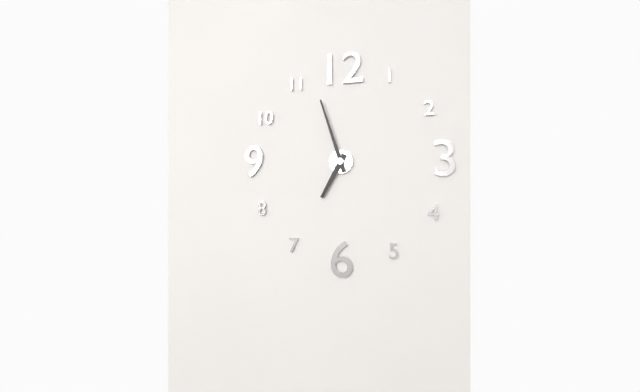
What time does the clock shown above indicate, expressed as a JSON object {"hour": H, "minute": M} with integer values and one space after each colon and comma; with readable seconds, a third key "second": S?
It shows {"hour": 6, "minute": 57}
